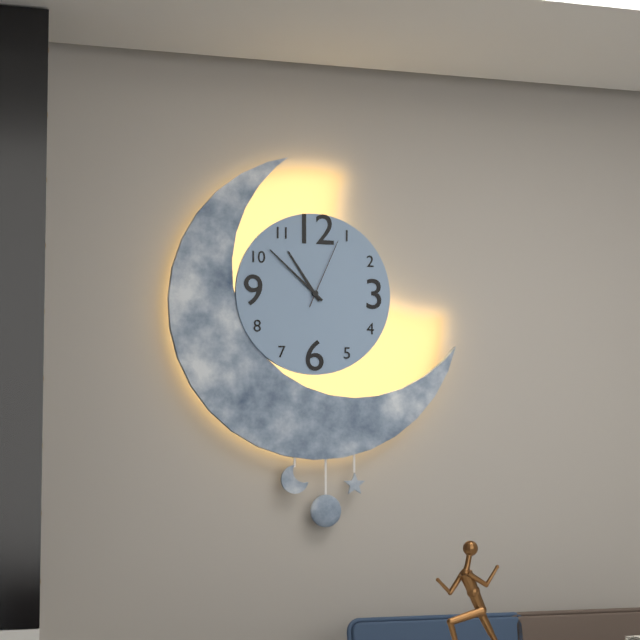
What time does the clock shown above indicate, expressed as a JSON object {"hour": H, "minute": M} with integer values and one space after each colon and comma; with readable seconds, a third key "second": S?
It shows {"hour": 10, "minute": 52, "second": 4}
